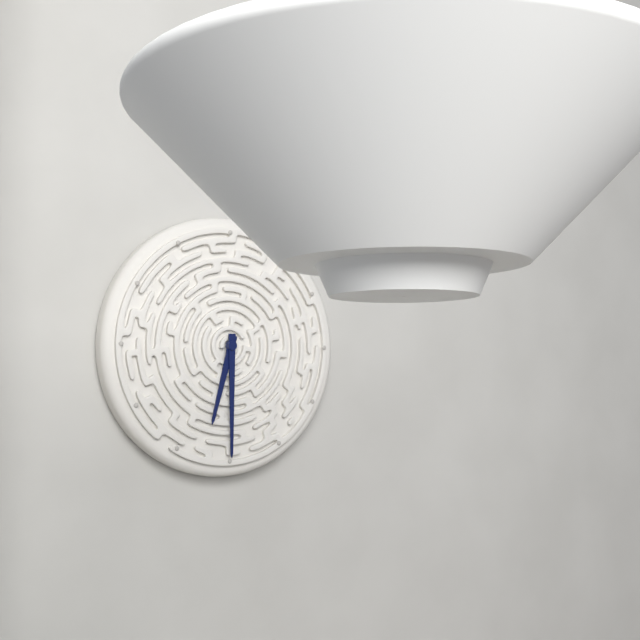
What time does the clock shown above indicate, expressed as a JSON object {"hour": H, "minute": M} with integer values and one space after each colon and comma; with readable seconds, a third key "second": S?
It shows {"hour": 6, "minute": 30}
